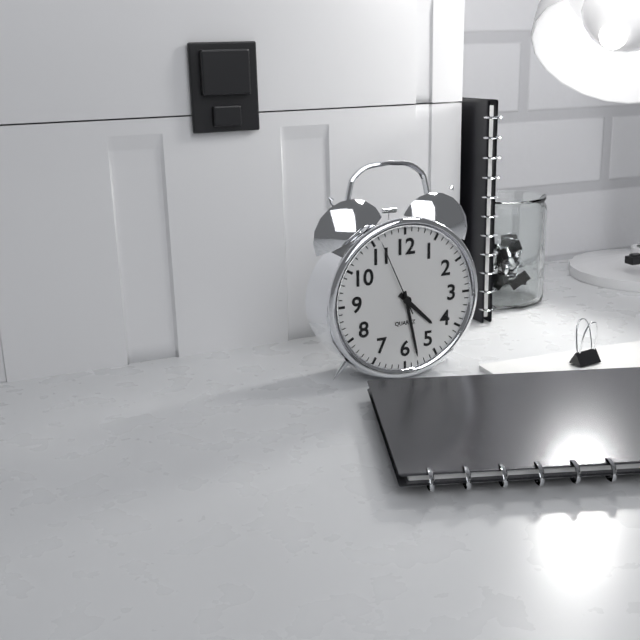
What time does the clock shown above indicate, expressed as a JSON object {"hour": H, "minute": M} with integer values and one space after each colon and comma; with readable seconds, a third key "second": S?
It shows {"hour": 4, "minute": 28, "second": 56}
